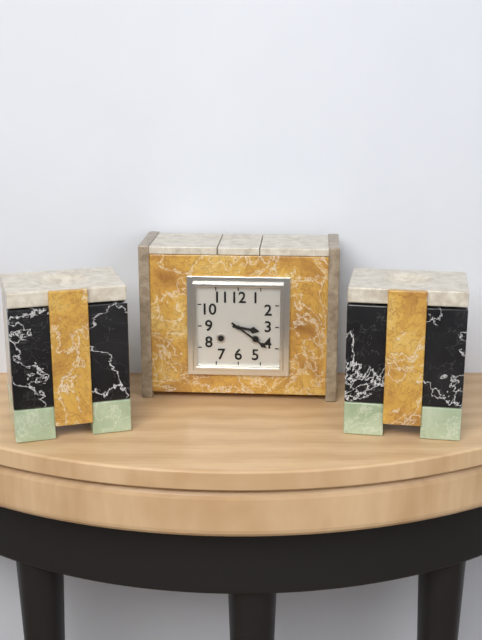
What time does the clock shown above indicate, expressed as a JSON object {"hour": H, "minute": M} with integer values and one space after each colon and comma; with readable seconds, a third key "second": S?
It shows {"hour": 3, "minute": 21}
